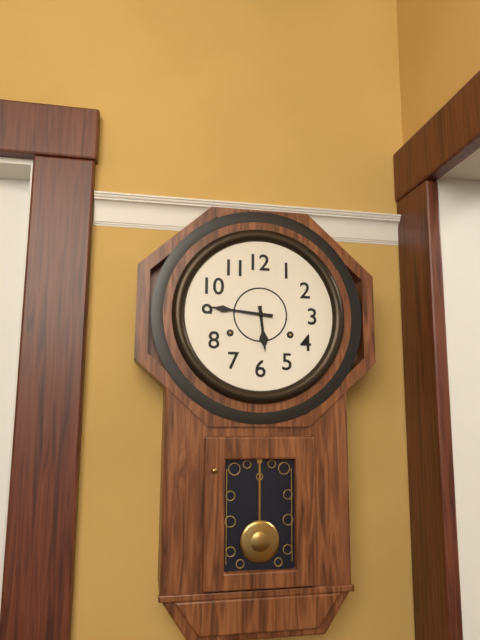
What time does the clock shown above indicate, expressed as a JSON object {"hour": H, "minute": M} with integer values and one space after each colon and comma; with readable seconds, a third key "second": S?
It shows {"hour": 5, "minute": 46}
